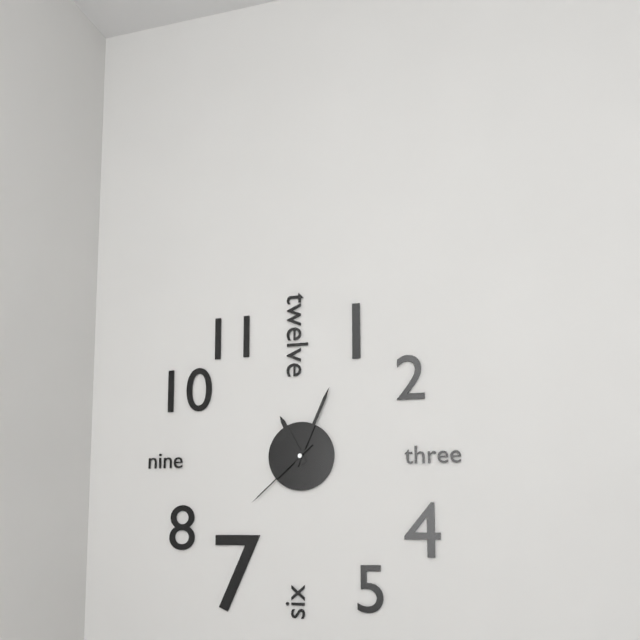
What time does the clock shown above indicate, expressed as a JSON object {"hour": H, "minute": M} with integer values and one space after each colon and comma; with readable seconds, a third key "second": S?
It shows {"hour": 11, "minute": 4, "second": 38}
